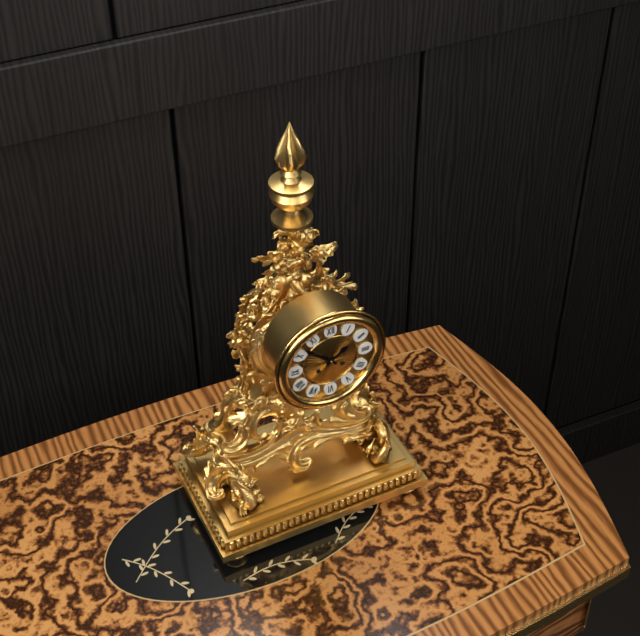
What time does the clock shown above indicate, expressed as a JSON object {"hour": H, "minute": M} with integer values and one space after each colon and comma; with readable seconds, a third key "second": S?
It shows {"hour": 1, "minute": 52}
